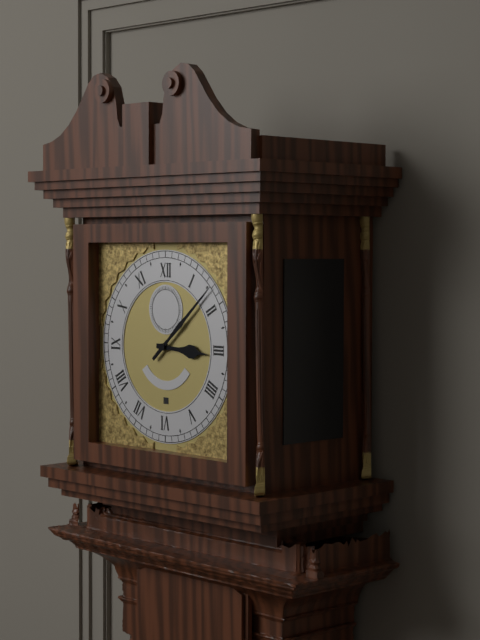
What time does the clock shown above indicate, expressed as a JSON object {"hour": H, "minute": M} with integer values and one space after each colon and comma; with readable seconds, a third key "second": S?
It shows {"hour": 3, "minute": 8}
